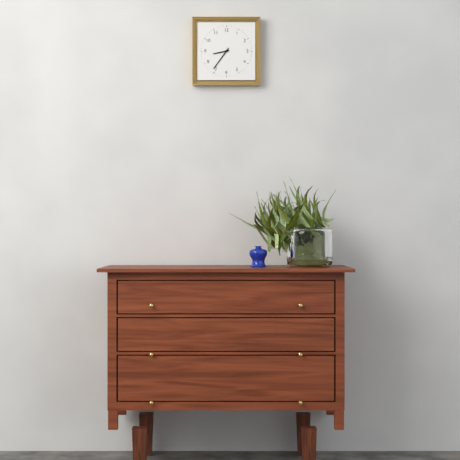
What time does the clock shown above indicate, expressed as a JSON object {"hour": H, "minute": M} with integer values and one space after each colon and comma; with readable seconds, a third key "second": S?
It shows {"hour": 8, "minute": 36}
